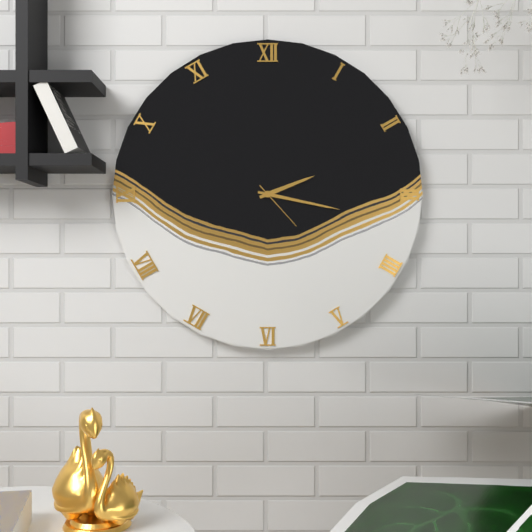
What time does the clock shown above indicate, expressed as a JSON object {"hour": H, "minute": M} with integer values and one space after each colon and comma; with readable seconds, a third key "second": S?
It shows {"hour": 2, "minute": 17, "second": 23}
